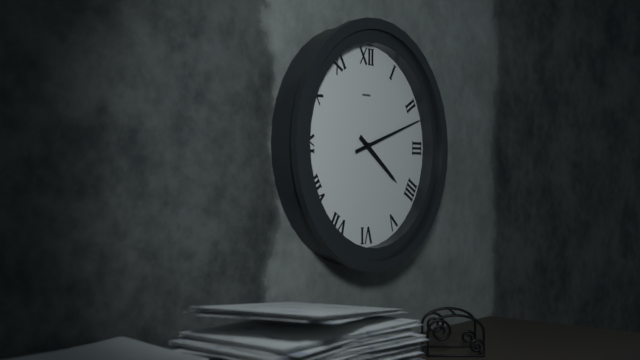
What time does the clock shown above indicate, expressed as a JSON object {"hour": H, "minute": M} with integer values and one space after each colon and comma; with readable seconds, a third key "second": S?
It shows {"hour": 4, "minute": 12}
